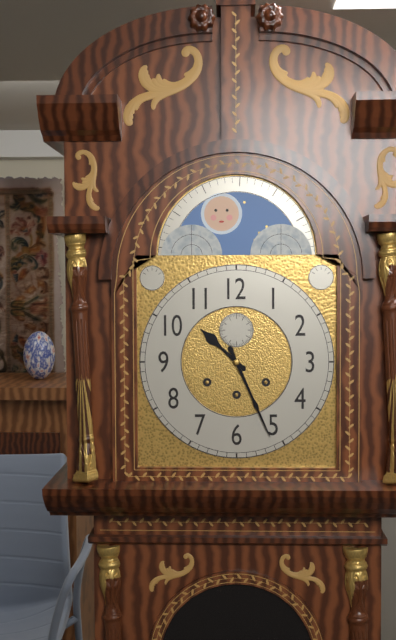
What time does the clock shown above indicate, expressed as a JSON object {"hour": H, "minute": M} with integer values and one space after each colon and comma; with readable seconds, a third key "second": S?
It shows {"hour": 10, "minute": 26}
